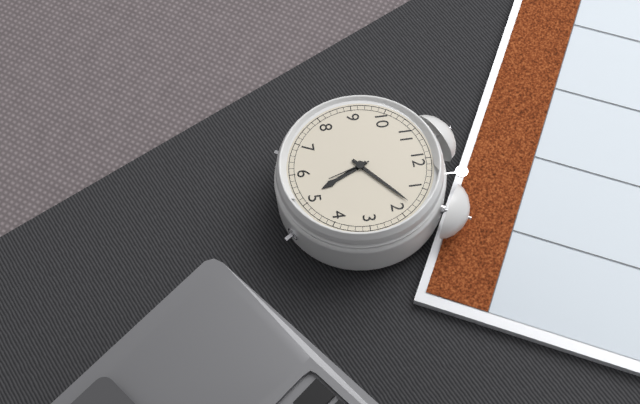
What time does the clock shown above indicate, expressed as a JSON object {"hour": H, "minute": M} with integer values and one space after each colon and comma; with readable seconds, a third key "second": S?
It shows {"hour": 5, "minute": 8}
